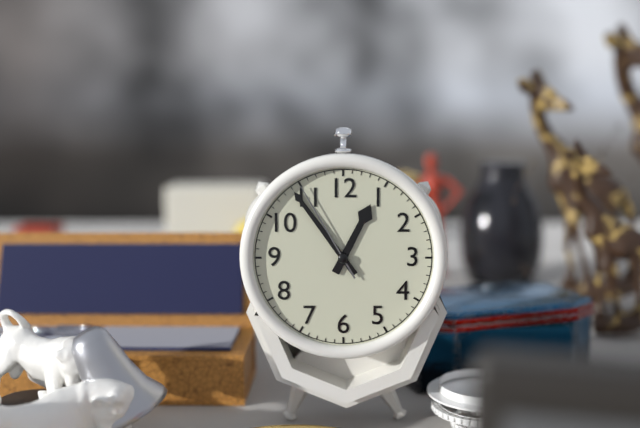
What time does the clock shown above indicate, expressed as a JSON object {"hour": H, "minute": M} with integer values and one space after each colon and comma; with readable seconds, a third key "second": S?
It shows {"hour": 12, "minute": 54, "second": 55}
